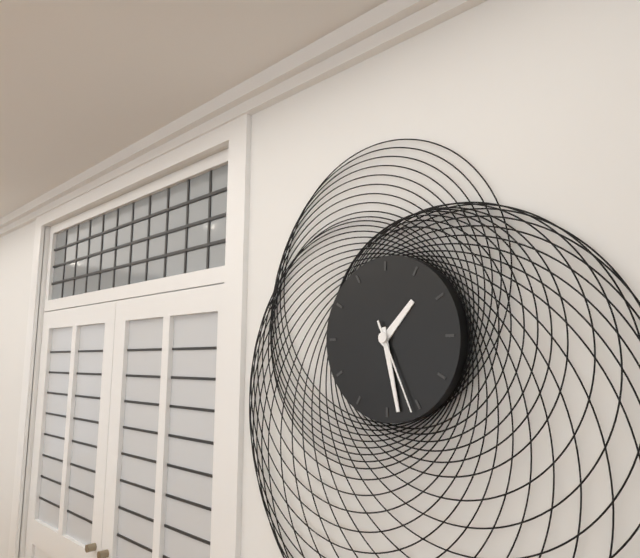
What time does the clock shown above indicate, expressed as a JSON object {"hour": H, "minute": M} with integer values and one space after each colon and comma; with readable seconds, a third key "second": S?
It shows {"hour": 1, "minute": 28, "second": 26}
